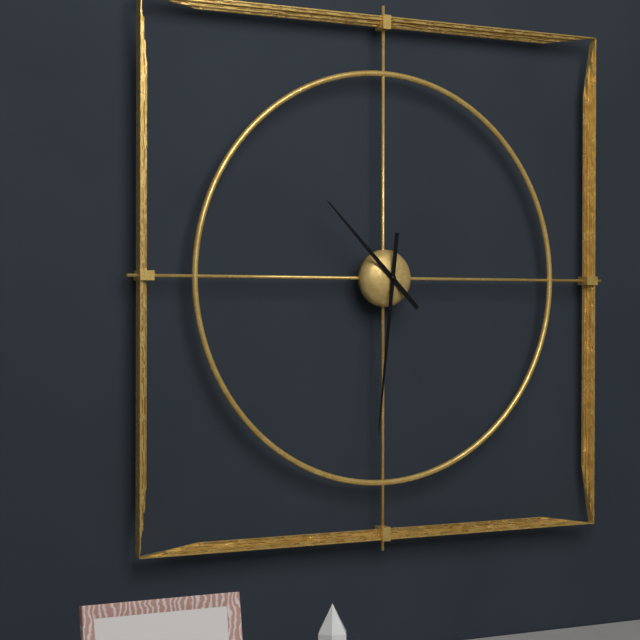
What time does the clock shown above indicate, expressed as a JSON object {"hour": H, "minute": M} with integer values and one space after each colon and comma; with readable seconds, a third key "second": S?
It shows {"hour": 10, "minute": 31}
